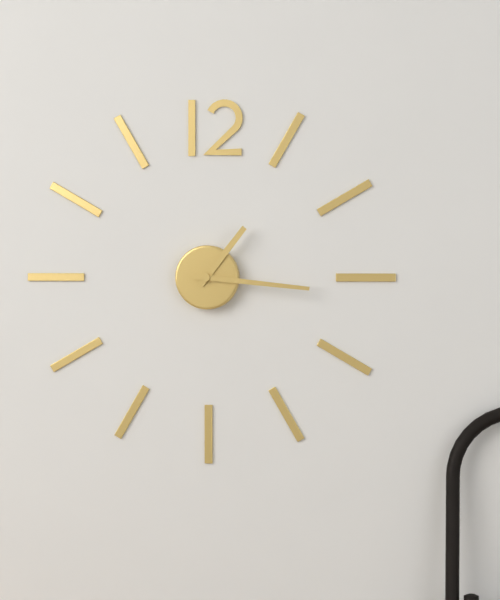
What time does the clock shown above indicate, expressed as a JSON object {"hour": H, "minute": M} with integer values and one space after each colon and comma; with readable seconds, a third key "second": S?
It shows {"hour": 1, "minute": 16}
